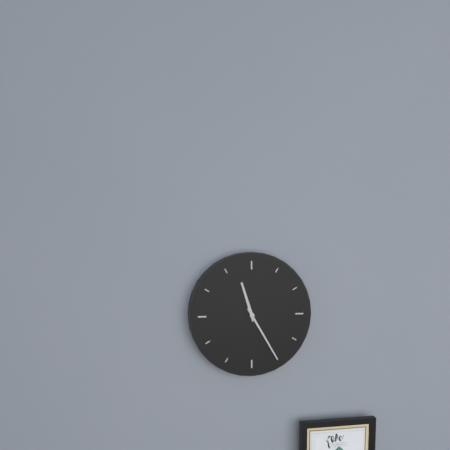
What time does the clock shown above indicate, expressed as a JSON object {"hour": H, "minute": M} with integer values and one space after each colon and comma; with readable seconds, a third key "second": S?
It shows {"hour": 11, "minute": 25}
